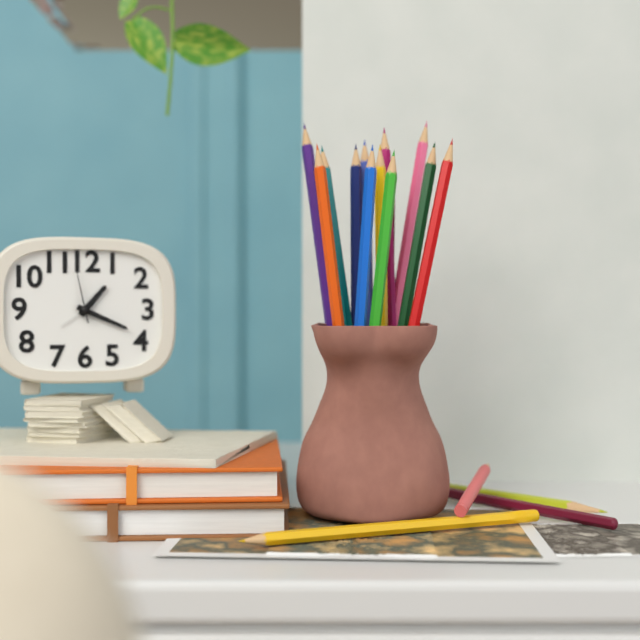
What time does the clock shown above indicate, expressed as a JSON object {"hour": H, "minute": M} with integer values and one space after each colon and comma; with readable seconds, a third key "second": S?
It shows {"hour": 1, "minute": 19, "second": 58}
